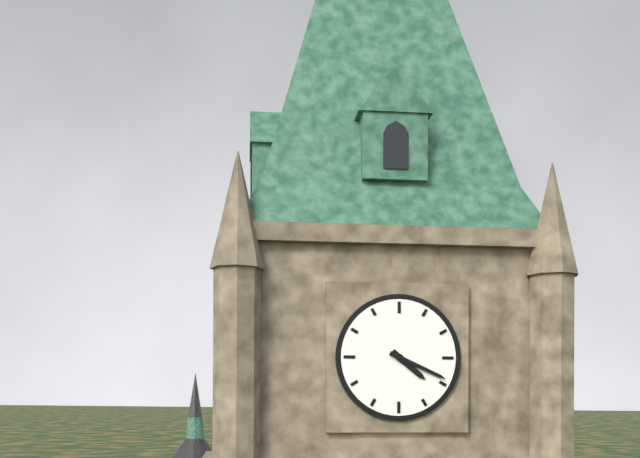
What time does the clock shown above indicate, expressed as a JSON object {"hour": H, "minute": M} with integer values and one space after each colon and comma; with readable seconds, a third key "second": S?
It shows {"hour": 4, "minute": 19}
